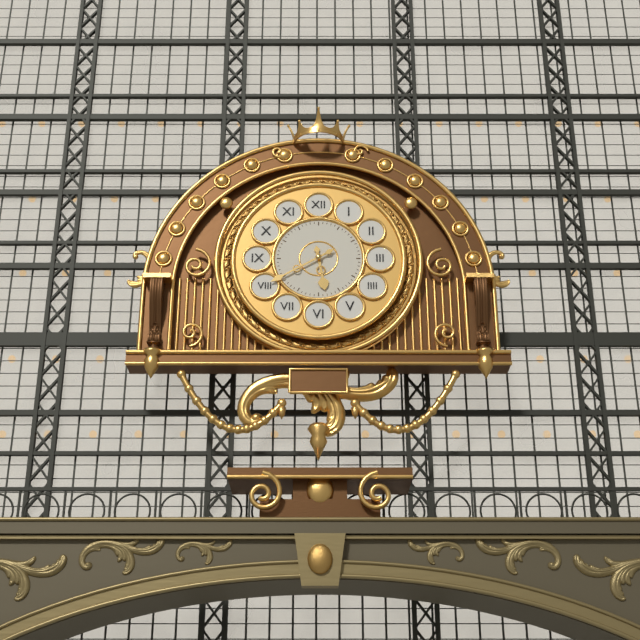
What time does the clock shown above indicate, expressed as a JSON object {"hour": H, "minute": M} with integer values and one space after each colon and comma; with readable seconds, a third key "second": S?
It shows {"hour": 5, "minute": 40}
